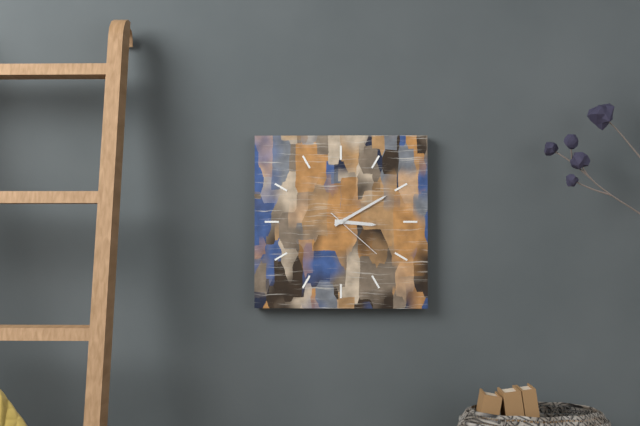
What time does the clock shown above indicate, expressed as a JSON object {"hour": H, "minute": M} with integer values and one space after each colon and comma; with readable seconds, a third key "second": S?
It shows {"hour": 3, "minute": 10, "second": 22}
